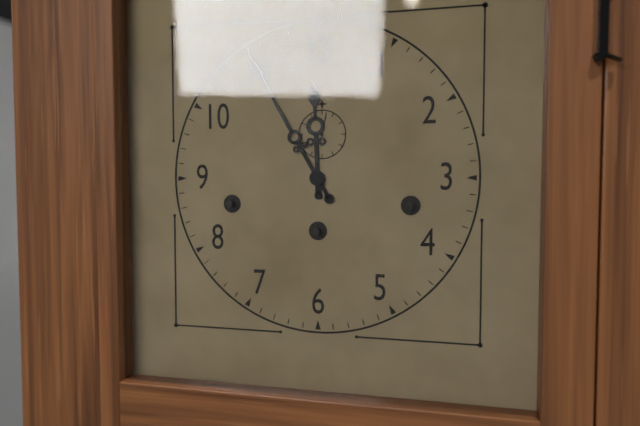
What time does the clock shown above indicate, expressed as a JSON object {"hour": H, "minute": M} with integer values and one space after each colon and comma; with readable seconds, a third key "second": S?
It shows {"hour": 11, "minute": 55}
